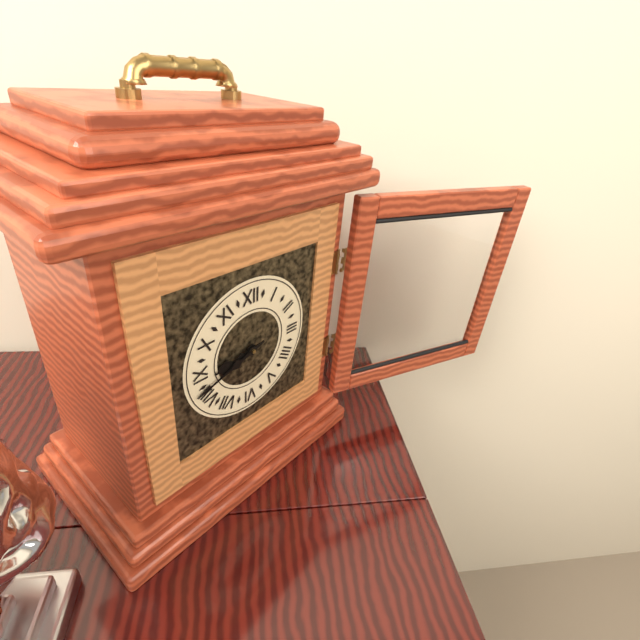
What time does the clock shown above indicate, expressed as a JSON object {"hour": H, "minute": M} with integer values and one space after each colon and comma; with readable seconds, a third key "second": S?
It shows {"hour": 8, "minute": 42}
